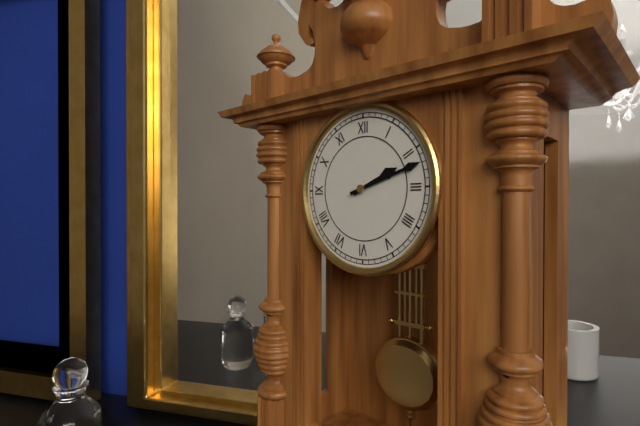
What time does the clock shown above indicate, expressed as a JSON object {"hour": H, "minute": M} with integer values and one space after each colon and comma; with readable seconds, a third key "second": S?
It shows {"hour": 2, "minute": 12}
